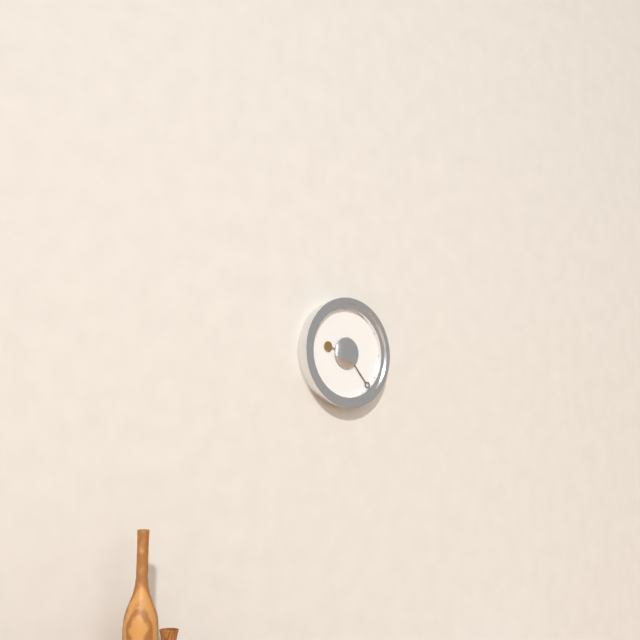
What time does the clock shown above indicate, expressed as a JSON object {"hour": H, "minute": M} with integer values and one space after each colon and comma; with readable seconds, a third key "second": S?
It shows {"hour": 9, "minute": 23}
